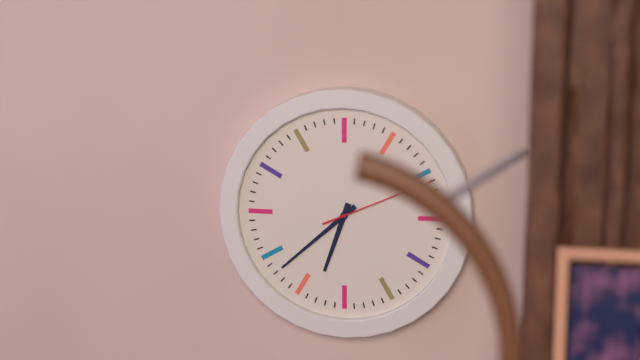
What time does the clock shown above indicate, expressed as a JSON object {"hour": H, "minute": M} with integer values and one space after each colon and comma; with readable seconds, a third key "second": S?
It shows {"hour": 6, "minute": 38, "second": 11}
